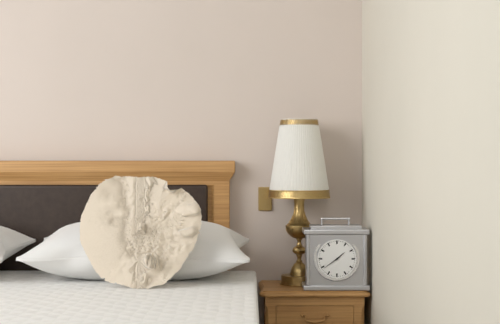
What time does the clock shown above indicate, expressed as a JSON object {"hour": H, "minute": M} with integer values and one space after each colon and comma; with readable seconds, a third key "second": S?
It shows {"hour": 1, "minute": 39}
